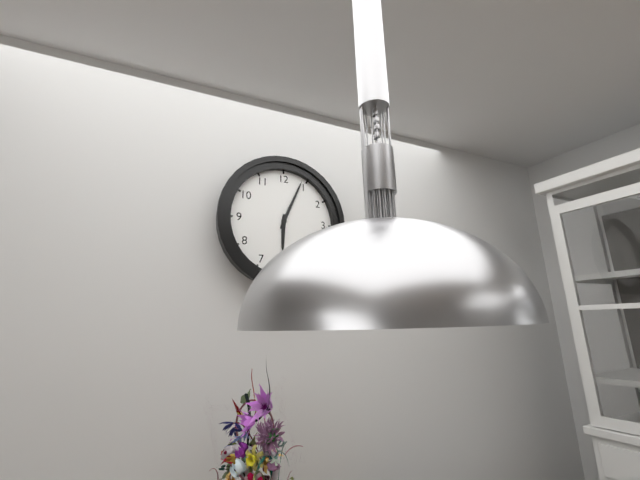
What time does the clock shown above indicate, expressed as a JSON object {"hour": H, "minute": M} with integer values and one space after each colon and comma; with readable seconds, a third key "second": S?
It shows {"hour": 6, "minute": 4}
